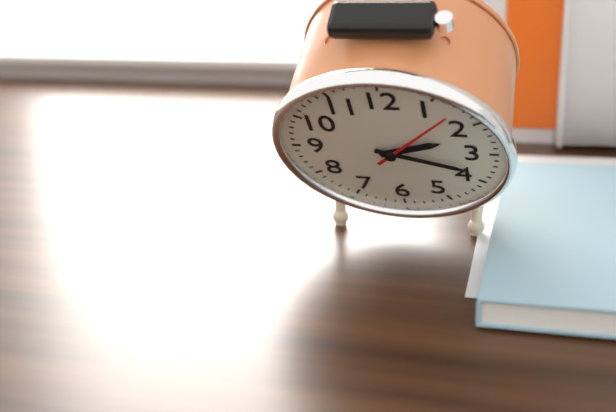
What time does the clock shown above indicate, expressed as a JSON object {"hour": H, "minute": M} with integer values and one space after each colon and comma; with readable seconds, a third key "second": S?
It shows {"hour": 2, "minute": 18, "second": 7}
